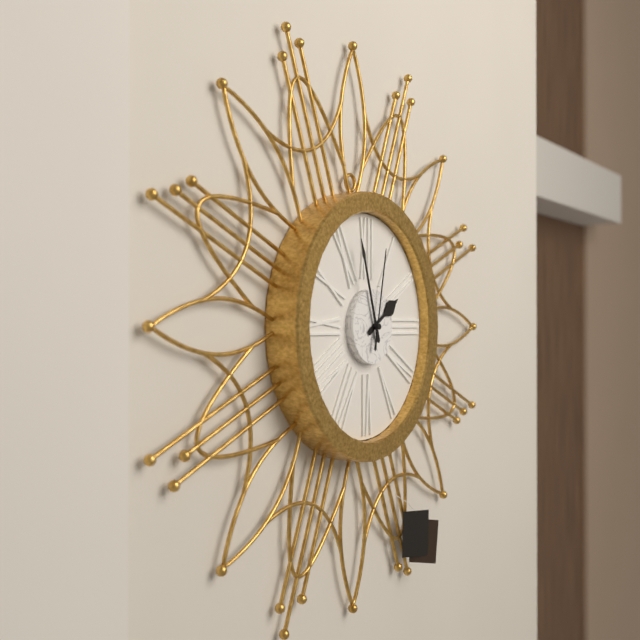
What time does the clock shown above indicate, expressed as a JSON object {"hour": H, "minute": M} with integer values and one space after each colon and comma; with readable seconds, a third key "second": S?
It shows {"hour": 1, "minute": 57, "second": 2}
